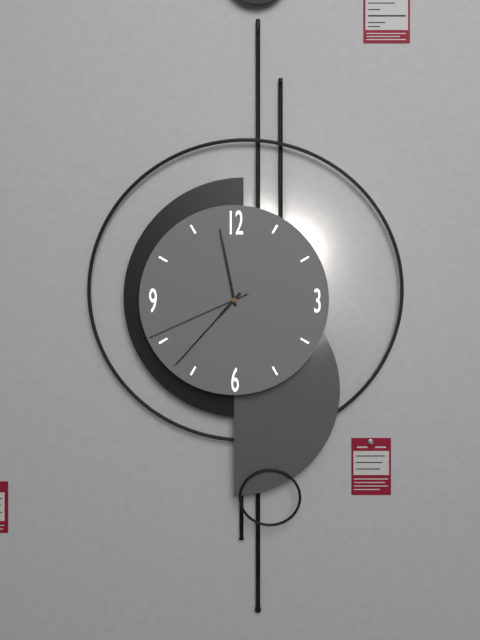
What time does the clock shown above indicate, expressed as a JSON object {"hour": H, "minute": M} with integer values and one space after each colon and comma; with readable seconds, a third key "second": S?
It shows {"hour": 11, "minute": 37, "second": 41}
